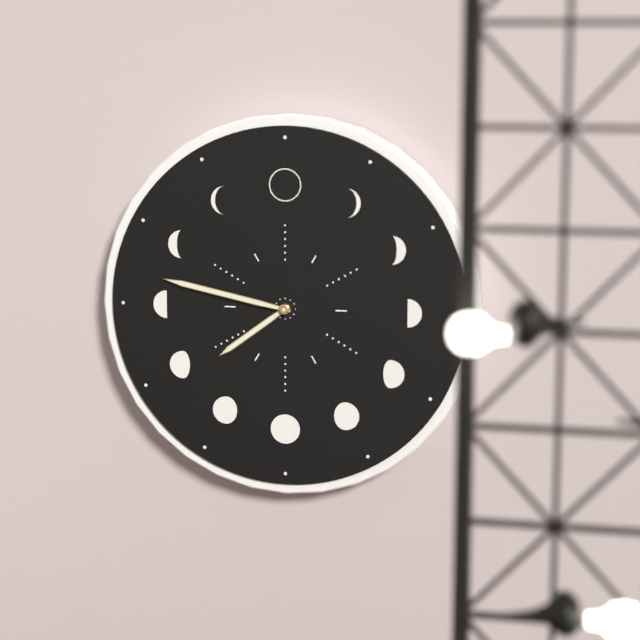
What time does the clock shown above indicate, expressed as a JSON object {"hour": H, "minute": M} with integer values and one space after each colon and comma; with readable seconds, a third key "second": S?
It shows {"hour": 7, "minute": 47}
